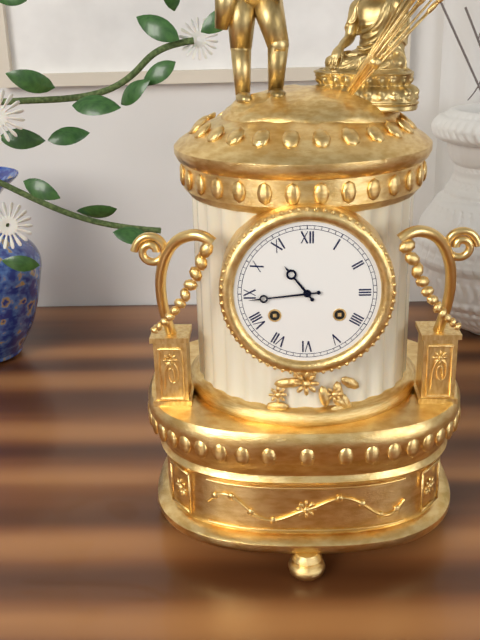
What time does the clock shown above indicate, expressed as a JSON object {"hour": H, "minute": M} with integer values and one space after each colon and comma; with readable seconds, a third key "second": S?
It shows {"hour": 10, "minute": 44}
